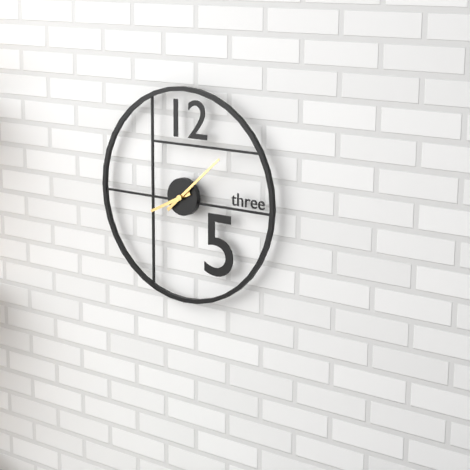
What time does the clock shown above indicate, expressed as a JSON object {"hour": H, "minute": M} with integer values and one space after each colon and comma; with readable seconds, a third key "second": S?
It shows {"hour": 8, "minute": 8}
